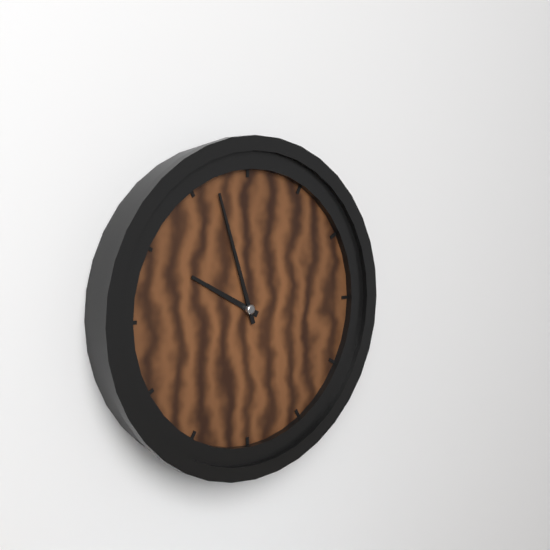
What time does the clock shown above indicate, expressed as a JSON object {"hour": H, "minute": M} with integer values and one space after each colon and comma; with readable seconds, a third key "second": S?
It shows {"hour": 9, "minute": 57}
